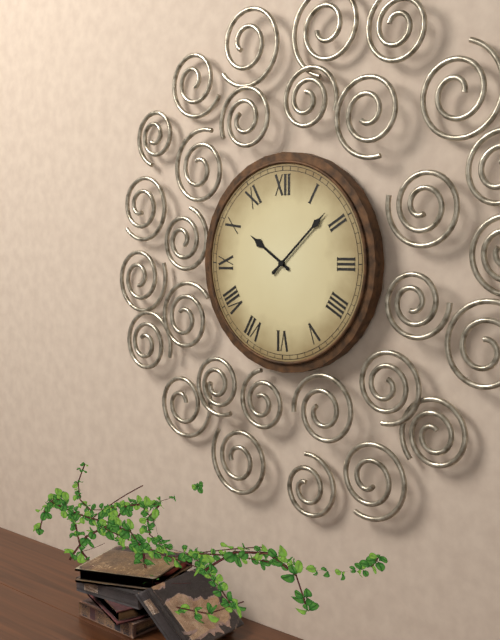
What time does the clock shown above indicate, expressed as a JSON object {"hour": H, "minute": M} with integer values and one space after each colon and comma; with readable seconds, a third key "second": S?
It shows {"hour": 10, "minute": 8}
